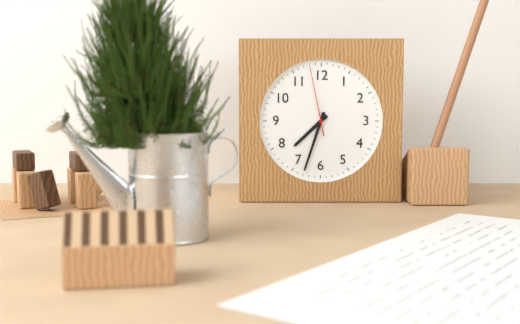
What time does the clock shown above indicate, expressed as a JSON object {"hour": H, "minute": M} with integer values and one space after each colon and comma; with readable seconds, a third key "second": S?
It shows {"hour": 7, "minute": 33, "second": 58}
